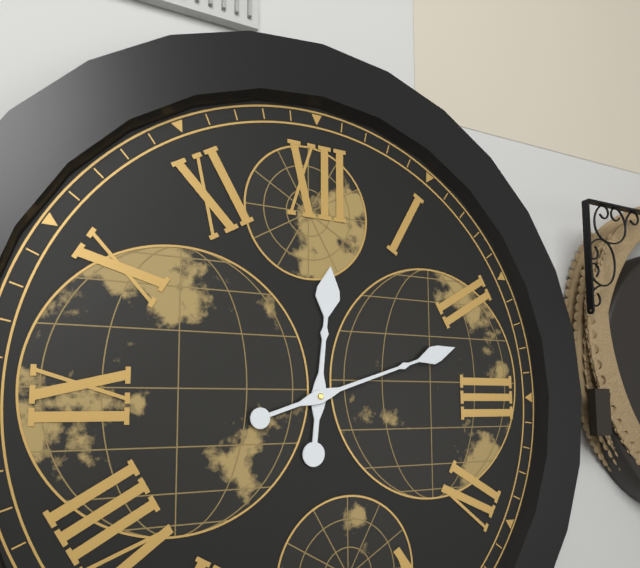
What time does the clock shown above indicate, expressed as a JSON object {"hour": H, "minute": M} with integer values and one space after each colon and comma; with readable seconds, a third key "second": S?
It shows {"hour": 12, "minute": 12}
